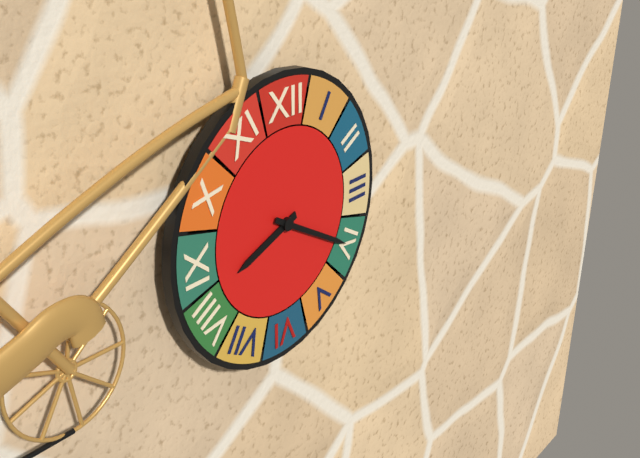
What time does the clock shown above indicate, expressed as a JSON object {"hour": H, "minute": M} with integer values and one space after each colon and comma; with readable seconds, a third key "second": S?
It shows {"hour": 8, "minute": 20}
